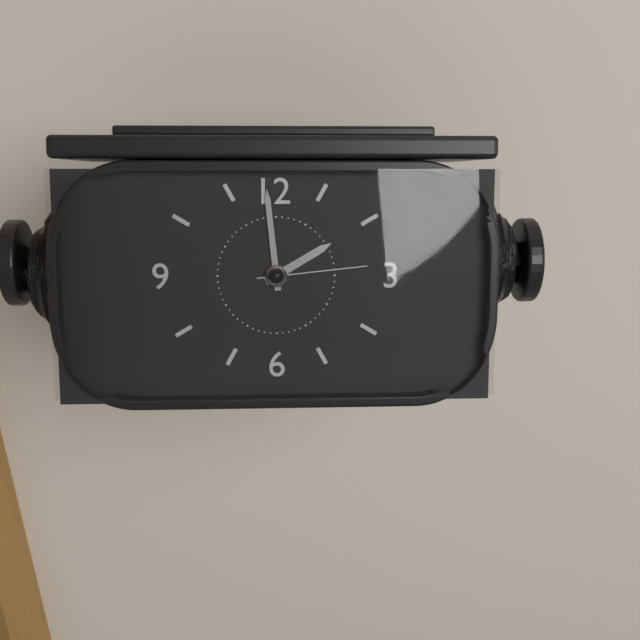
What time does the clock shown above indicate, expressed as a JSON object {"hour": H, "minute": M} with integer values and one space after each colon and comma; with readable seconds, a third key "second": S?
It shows {"hour": 1, "minute": 59, "second": 14}
